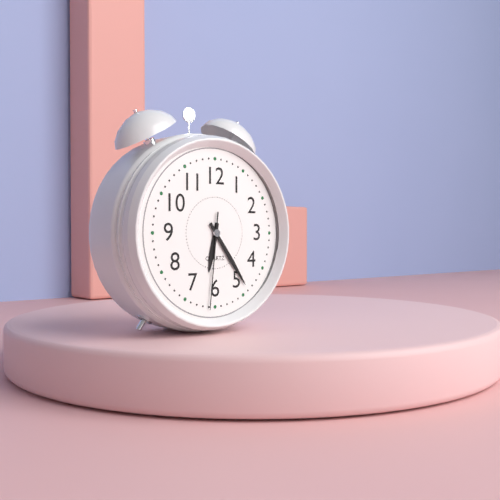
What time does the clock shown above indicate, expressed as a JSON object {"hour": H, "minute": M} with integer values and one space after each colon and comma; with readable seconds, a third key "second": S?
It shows {"hour": 6, "minute": 24, "second": 31}
